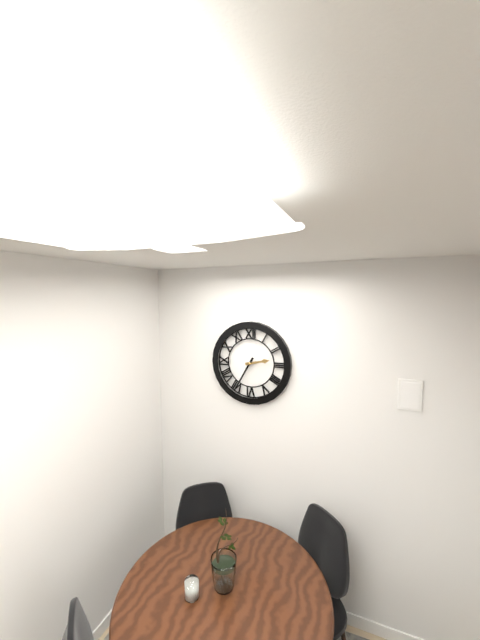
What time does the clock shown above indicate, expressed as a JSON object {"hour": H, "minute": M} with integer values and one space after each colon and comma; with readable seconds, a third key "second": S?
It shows {"hour": 2, "minute": 35}
